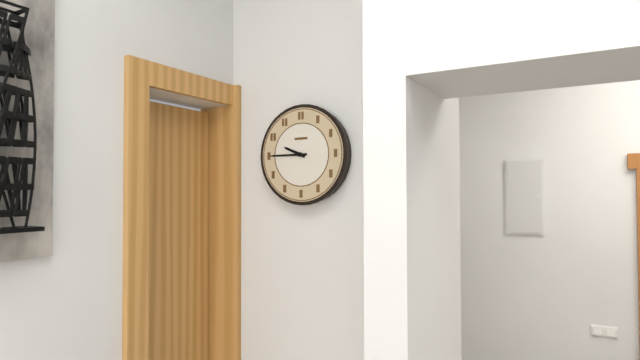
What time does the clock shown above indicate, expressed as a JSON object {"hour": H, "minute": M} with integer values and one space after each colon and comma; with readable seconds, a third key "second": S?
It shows {"hour": 9, "minute": 45}
